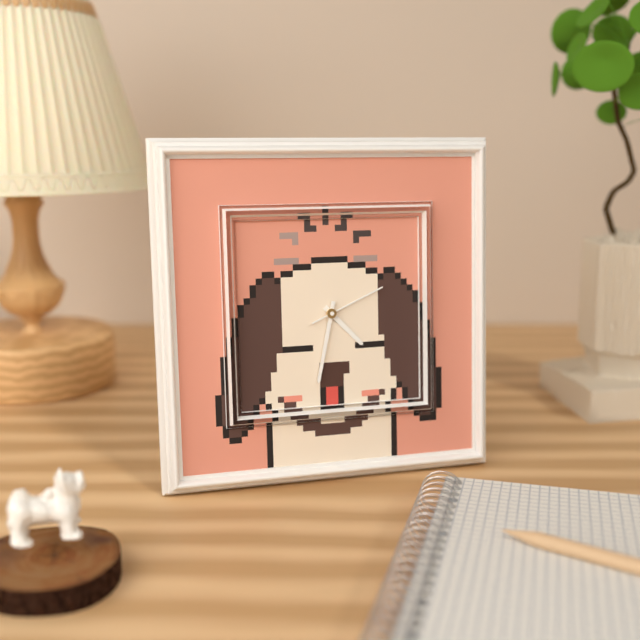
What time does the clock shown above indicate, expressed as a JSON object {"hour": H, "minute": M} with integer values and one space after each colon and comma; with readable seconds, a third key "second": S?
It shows {"hour": 4, "minute": 32, "second": 11}
